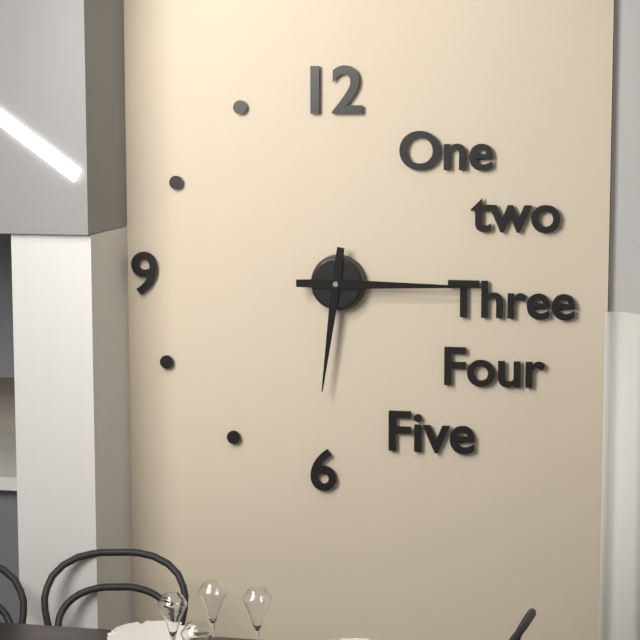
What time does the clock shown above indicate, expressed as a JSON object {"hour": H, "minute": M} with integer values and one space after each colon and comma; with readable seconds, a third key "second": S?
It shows {"hour": 6, "minute": 15}
